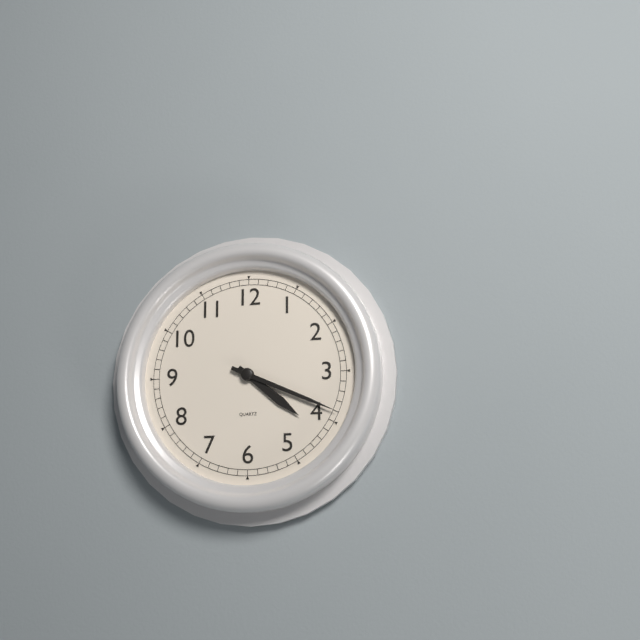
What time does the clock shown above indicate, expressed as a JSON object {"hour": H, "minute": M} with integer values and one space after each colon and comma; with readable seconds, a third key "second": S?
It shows {"hour": 4, "minute": 19}
